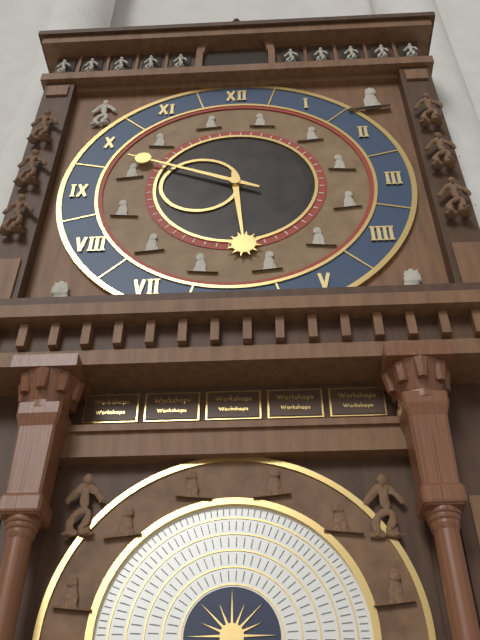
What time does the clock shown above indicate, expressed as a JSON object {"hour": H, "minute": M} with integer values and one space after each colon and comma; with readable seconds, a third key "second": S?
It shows {"hour": 5, "minute": 49}
